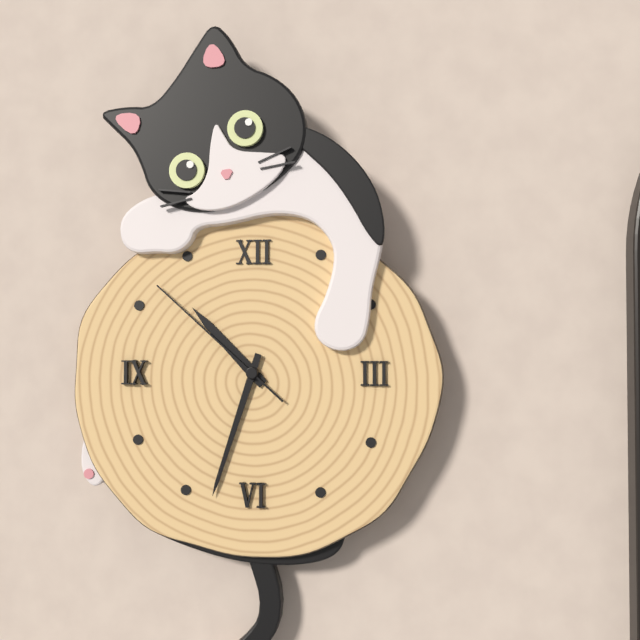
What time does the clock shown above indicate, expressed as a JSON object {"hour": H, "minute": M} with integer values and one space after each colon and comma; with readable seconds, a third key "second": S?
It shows {"hour": 10, "minute": 33, "second": 52}
